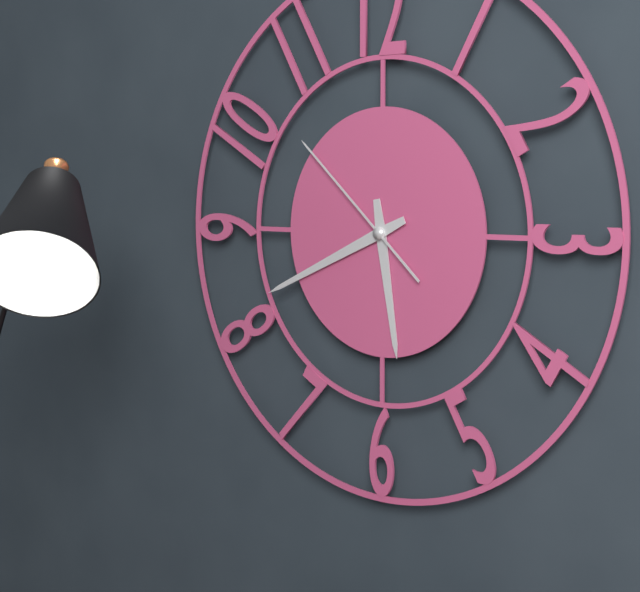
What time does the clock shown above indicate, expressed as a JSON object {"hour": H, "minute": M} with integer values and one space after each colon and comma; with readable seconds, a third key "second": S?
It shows {"hour": 5, "minute": 41, "second": 52}
